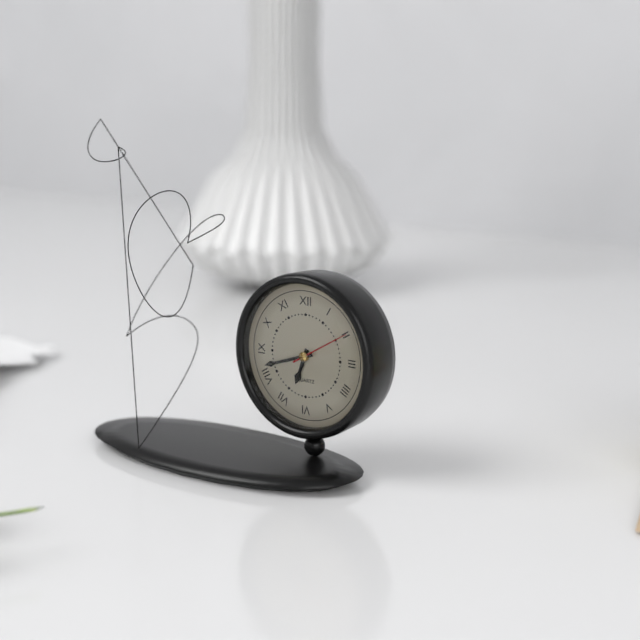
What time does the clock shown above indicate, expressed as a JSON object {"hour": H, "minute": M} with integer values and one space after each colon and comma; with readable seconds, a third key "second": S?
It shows {"hour": 6, "minute": 42, "second": 10}
